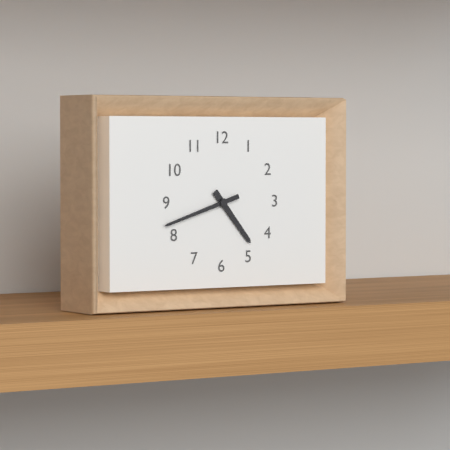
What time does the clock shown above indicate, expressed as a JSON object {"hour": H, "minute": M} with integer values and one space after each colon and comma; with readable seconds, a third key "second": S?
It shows {"hour": 4, "minute": 42}
